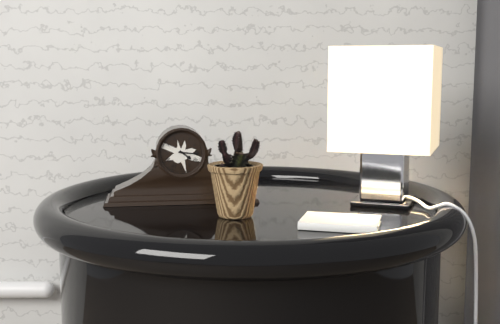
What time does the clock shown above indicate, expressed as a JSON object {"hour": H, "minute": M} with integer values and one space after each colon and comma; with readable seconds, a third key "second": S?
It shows {"hour": 4, "minute": 16}
